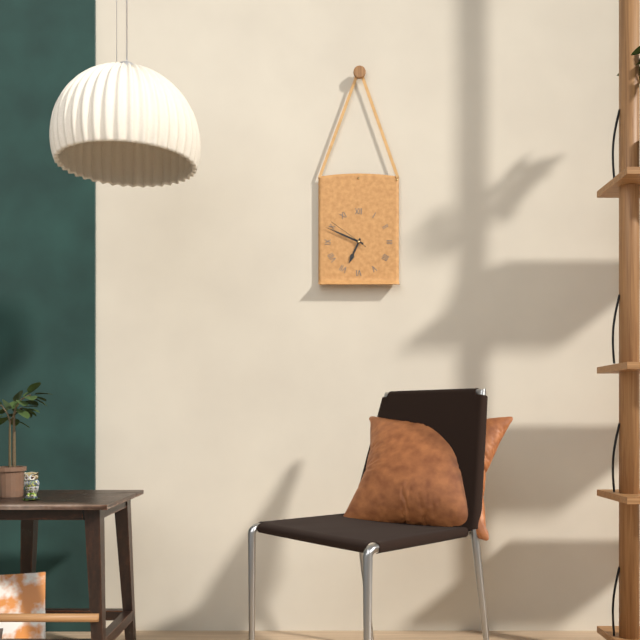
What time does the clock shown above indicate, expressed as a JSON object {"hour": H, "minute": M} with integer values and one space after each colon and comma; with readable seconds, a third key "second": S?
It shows {"hour": 6, "minute": 49}
